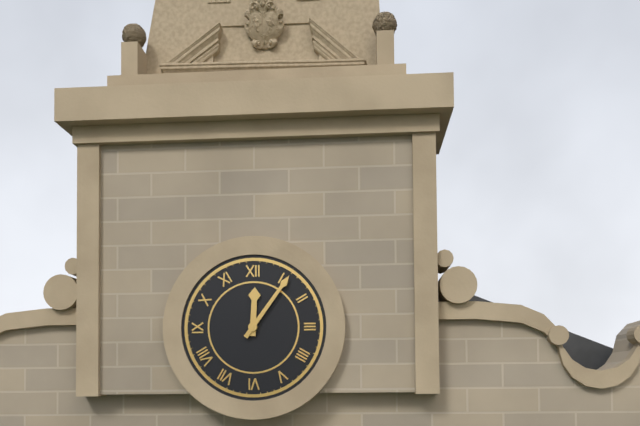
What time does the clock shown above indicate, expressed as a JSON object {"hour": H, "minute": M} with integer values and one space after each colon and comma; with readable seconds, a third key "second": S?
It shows {"hour": 12, "minute": 6}
